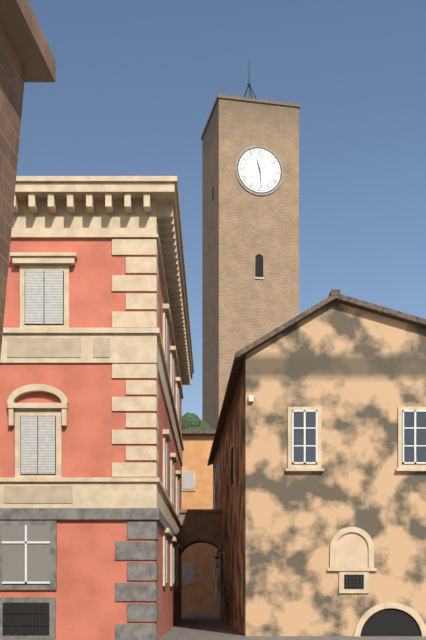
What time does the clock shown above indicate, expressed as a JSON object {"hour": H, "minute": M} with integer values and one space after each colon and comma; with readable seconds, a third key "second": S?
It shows {"hour": 11, "minute": 29}
